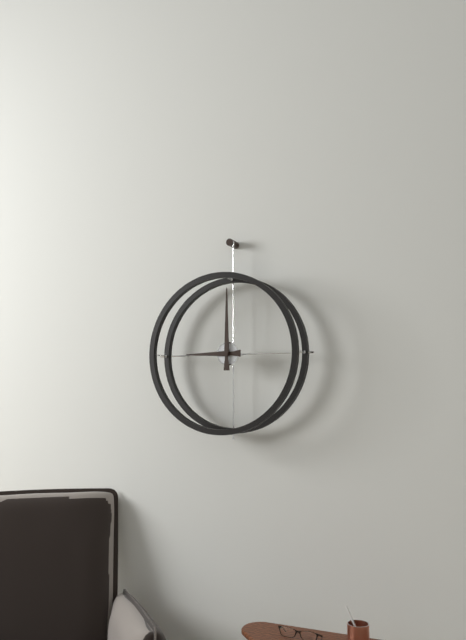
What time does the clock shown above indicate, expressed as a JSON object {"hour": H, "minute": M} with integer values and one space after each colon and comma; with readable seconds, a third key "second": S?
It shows {"hour": 9, "minute": 0}
